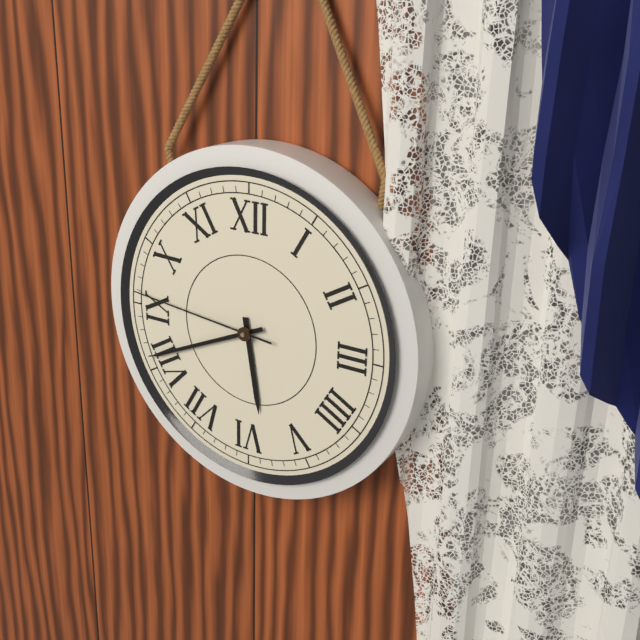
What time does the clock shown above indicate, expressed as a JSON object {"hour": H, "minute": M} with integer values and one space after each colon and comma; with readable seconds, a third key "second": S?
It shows {"hour": 5, "minute": 41, "second": 46}
